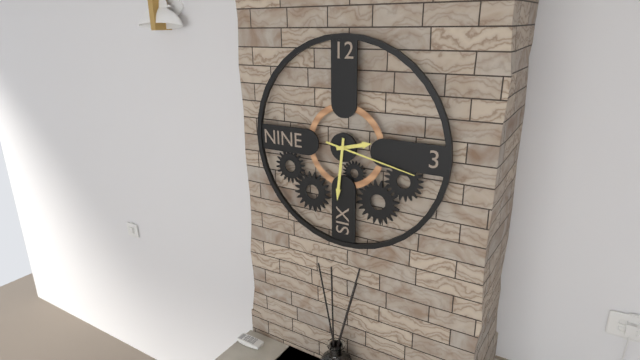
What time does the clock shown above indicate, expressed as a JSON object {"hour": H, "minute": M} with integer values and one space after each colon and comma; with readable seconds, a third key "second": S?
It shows {"hour": 2, "minute": 31, "second": 17}
